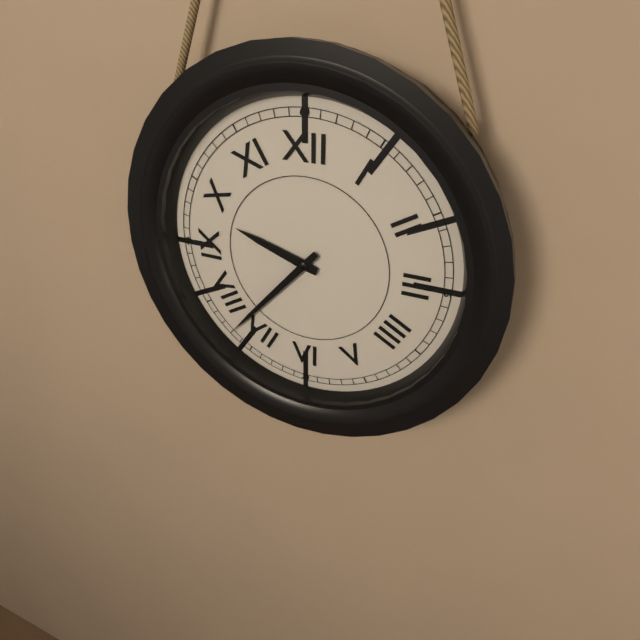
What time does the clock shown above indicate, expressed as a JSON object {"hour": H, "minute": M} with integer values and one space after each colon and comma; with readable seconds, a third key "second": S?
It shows {"hour": 9, "minute": 37}
